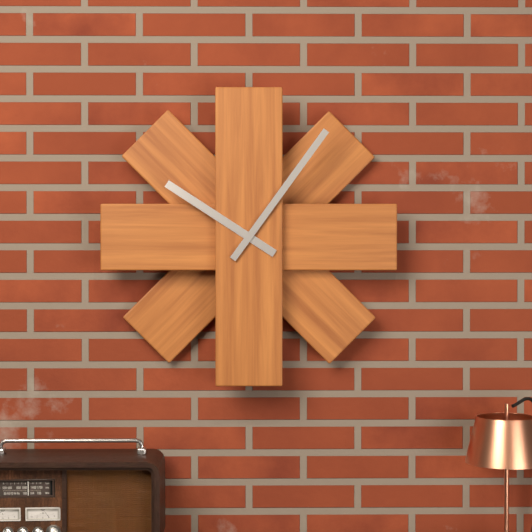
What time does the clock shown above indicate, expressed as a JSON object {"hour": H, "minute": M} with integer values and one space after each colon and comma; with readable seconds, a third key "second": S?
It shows {"hour": 10, "minute": 6}
